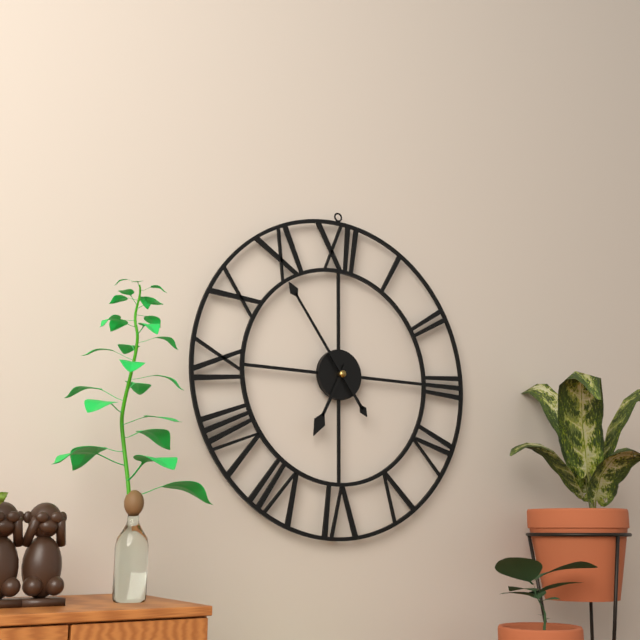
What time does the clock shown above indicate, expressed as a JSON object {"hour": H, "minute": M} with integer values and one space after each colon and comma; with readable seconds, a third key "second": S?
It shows {"hour": 6, "minute": 54}
